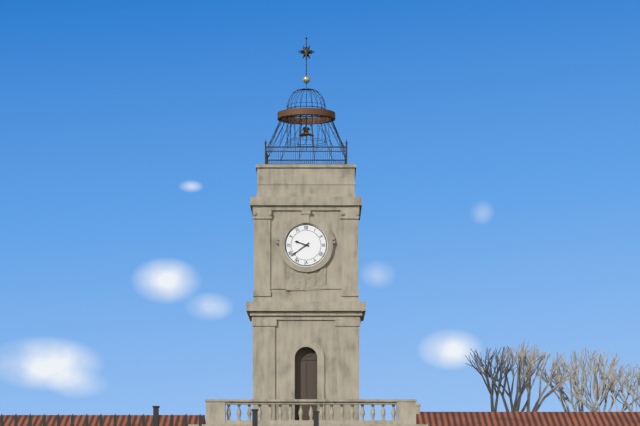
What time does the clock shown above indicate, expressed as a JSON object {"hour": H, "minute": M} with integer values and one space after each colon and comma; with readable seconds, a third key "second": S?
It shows {"hour": 9, "minute": 39}
